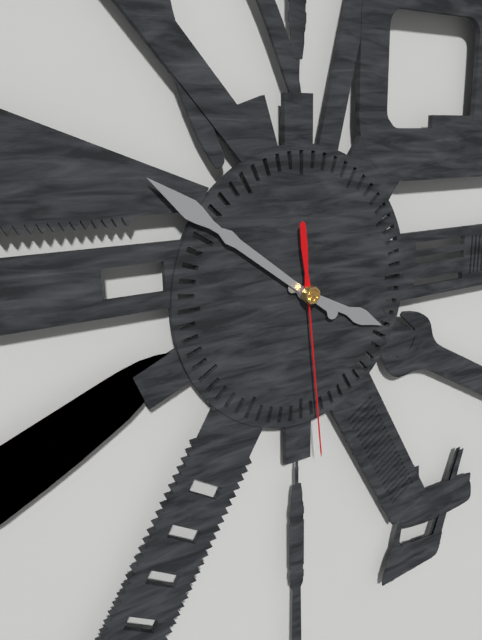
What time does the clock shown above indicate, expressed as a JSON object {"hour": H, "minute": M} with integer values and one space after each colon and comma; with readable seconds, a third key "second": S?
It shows {"hour": 3, "minute": 51, "second": 29}
